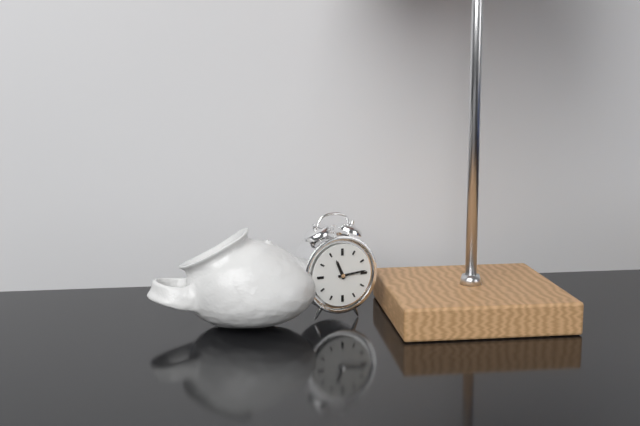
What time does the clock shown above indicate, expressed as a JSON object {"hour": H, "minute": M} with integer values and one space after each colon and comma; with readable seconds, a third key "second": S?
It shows {"hour": 11, "minute": 14}
